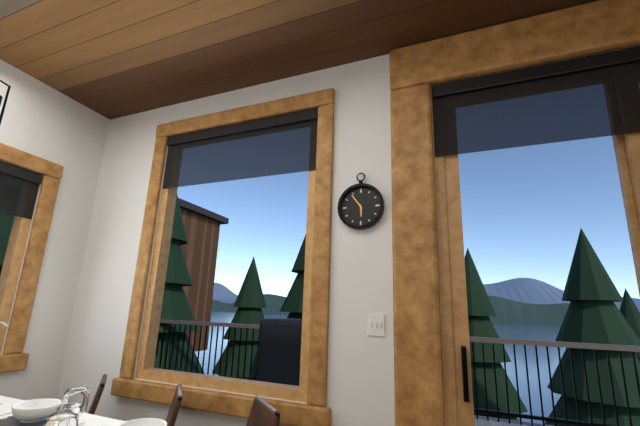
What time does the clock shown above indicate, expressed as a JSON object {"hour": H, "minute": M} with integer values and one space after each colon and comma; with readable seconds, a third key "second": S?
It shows {"hour": 5, "minute": 54}
